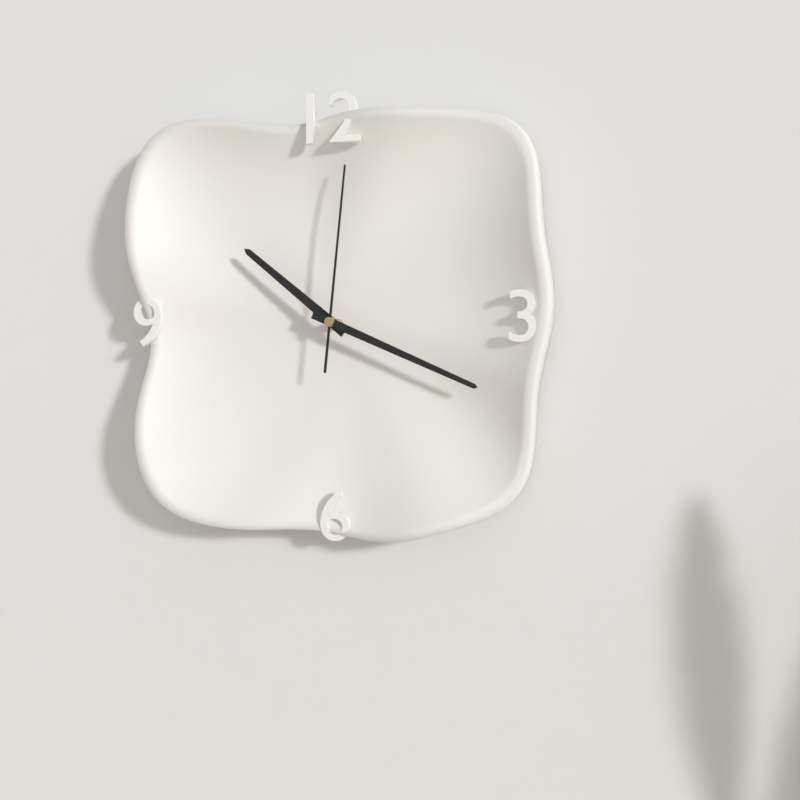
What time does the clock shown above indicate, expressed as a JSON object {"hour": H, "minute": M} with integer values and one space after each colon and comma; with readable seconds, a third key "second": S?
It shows {"hour": 10, "minute": 19, "second": 1}
